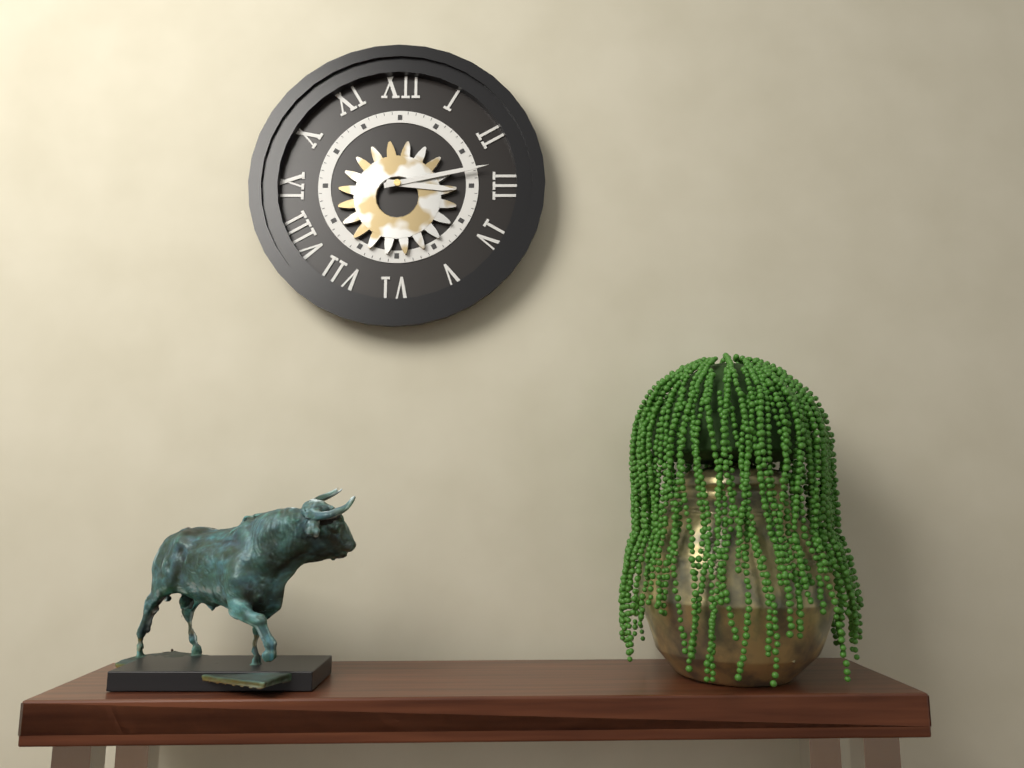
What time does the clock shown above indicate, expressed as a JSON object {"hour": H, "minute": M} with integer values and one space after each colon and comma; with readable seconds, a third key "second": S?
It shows {"hour": 3, "minute": 13}
